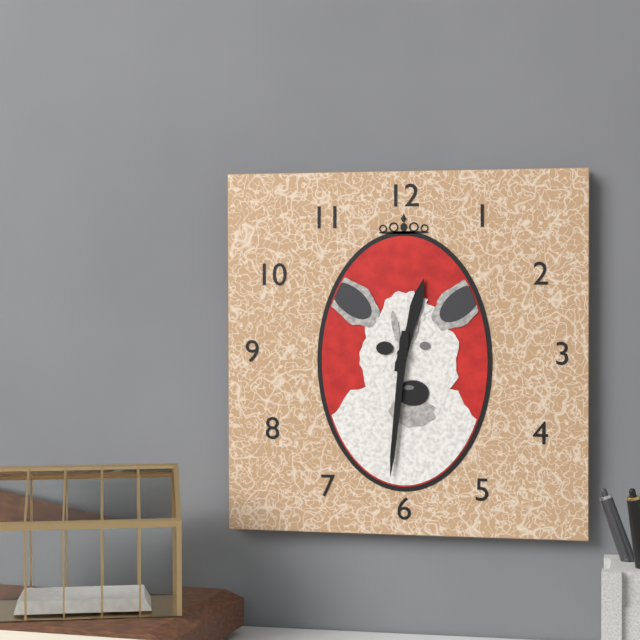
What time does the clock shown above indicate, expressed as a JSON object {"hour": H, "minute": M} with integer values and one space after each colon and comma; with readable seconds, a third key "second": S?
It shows {"hour": 12, "minute": 31}
